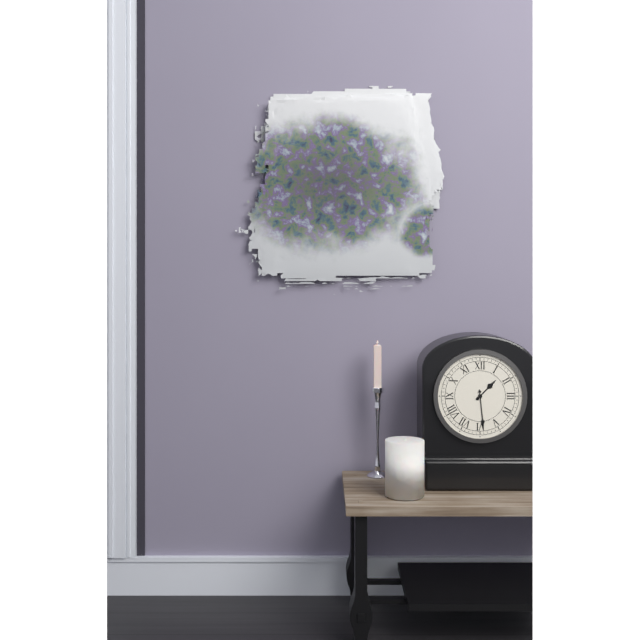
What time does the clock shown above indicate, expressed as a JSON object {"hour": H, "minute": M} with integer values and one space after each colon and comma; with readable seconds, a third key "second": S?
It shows {"hour": 1, "minute": 29}
